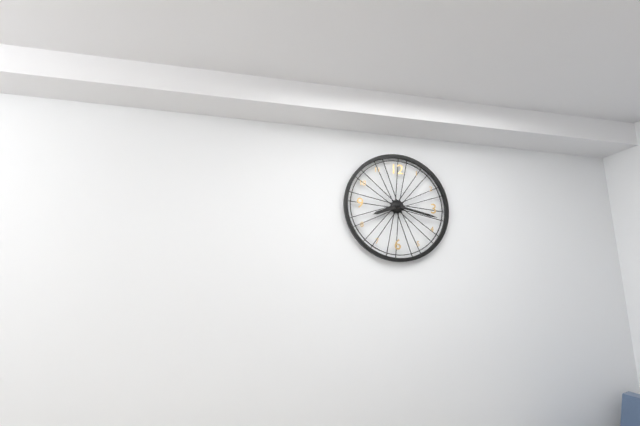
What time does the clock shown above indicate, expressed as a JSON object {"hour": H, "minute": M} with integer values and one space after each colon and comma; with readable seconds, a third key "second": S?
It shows {"hour": 8, "minute": 17}
